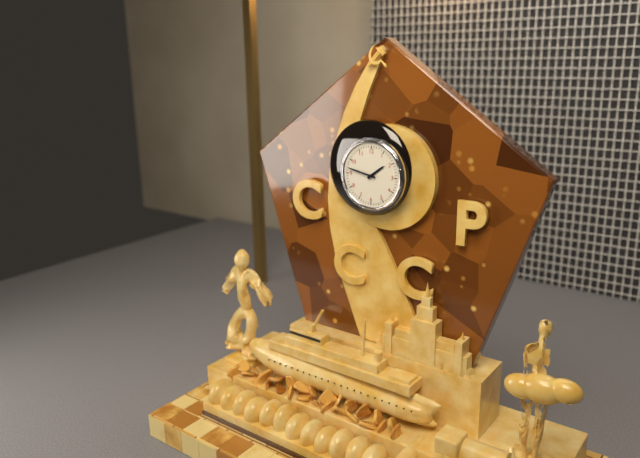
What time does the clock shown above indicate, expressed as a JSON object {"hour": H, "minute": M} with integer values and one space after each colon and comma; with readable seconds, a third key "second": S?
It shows {"hour": 1, "minute": 47}
